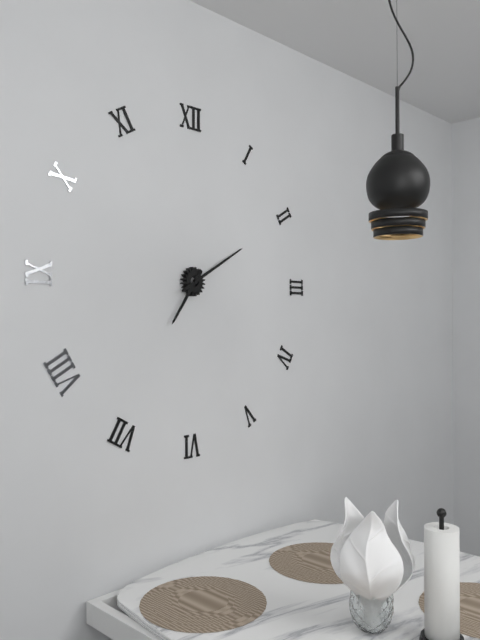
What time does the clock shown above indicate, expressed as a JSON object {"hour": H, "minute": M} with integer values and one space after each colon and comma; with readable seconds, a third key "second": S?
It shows {"hour": 7, "minute": 10}
